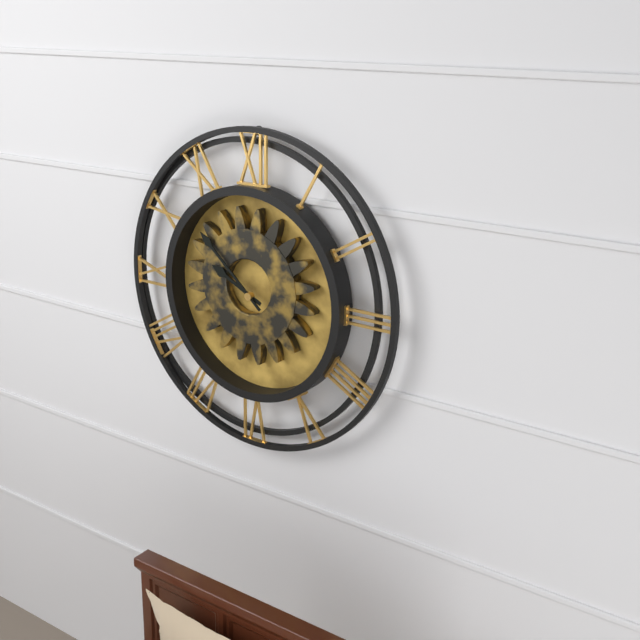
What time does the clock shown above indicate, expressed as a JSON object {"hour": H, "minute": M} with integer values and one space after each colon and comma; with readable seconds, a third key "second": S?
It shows {"hour": 9, "minute": 52}
